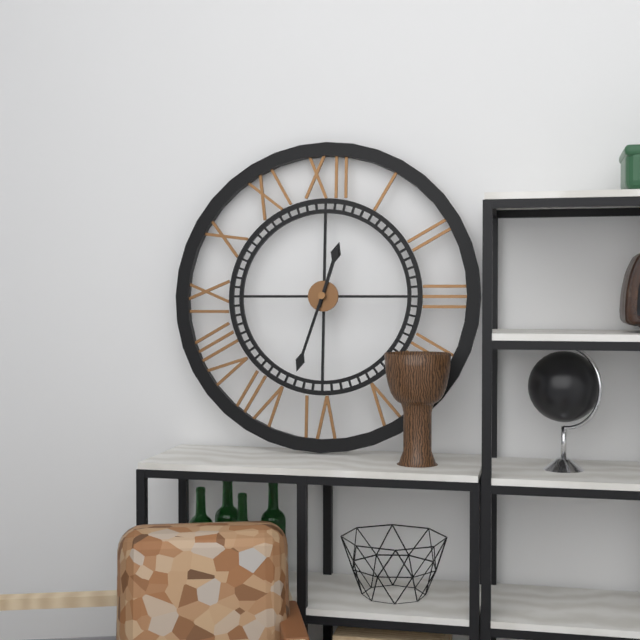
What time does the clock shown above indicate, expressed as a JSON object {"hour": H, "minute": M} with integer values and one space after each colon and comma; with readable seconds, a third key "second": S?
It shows {"hour": 12, "minute": 33}
